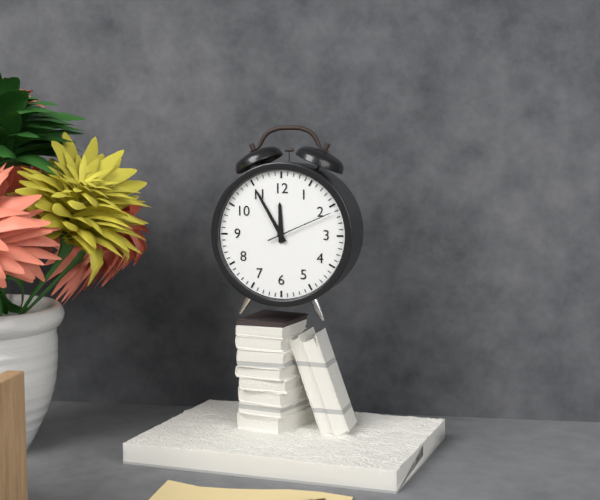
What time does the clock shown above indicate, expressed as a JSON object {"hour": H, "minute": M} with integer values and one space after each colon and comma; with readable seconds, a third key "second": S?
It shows {"hour": 11, "minute": 55, "second": 11}
